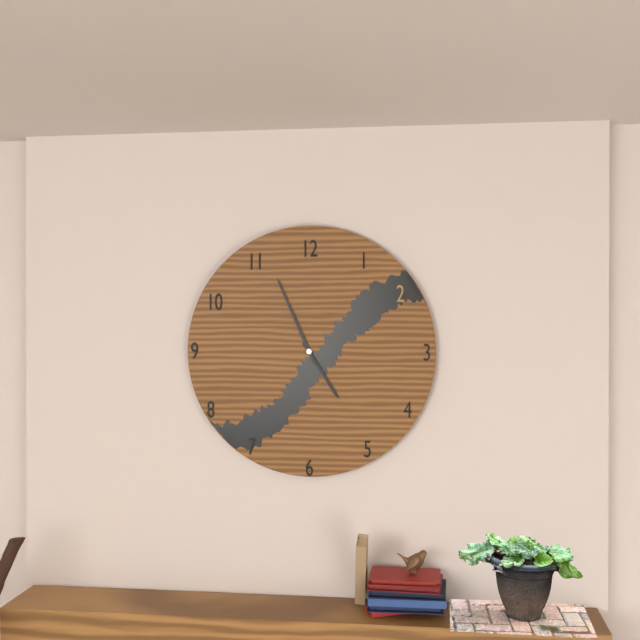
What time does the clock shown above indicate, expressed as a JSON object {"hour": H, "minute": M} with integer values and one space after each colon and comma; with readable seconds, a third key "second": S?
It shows {"hour": 4, "minute": 56}
